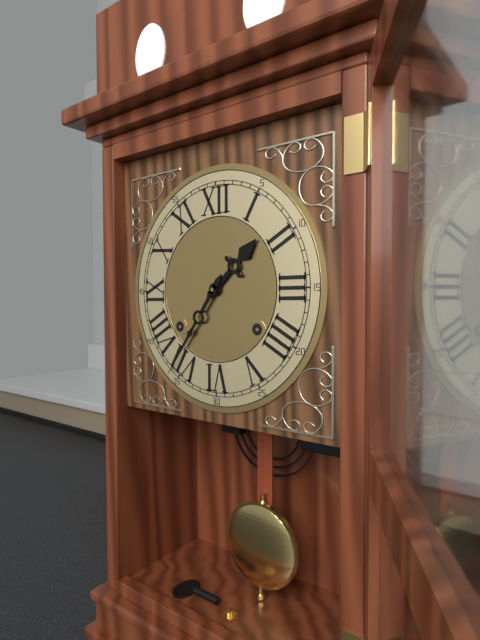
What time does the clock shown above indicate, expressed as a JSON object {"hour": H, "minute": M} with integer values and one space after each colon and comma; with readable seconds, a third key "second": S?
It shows {"hour": 1, "minute": 36}
